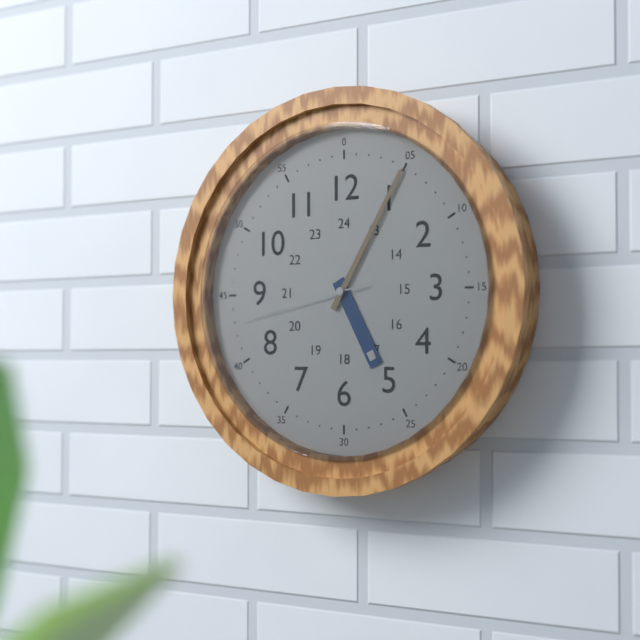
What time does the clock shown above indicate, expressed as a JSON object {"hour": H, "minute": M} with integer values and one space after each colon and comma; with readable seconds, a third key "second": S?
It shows {"hour": 5, "minute": 5, "second": 43}
